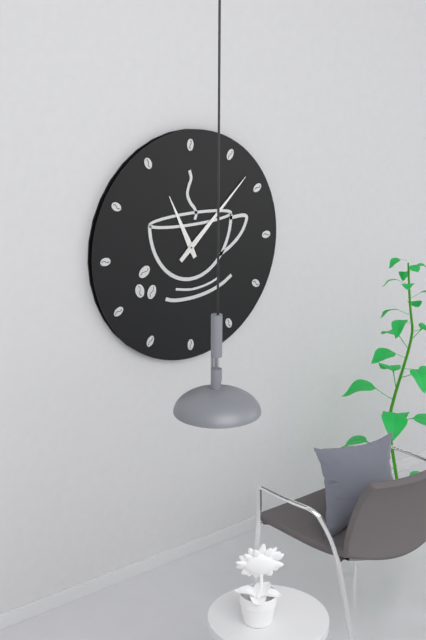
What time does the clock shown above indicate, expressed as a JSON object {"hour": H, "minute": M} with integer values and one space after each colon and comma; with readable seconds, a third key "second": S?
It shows {"hour": 11, "minute": 8}
